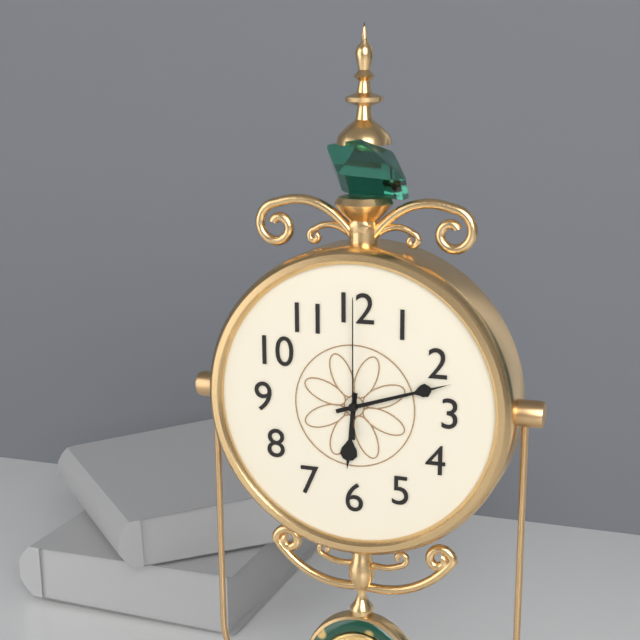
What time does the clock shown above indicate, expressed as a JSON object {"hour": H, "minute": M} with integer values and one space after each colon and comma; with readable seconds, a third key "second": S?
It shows {"hour": 6, "minute": 12, "second": 0}
